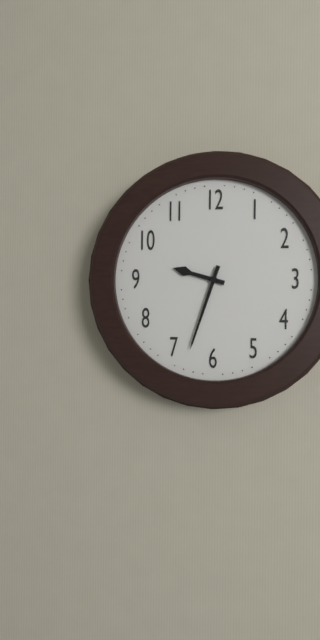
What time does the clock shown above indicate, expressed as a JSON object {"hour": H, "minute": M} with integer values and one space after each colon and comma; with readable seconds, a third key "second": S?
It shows {"hour": 9, "minute": 33}
